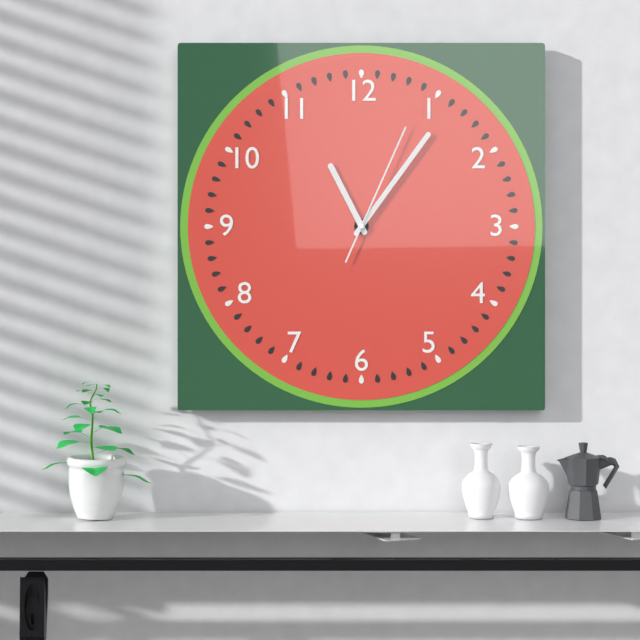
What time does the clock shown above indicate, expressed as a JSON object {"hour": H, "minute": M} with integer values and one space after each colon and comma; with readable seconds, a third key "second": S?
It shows {"hour": 11, "minute": 6, "second": 4}
